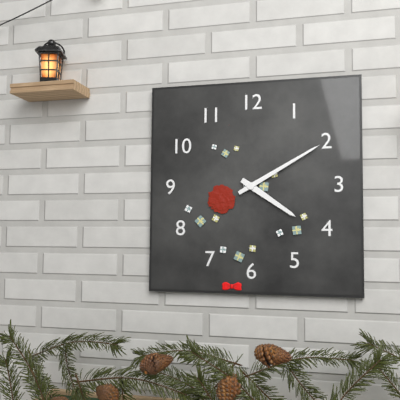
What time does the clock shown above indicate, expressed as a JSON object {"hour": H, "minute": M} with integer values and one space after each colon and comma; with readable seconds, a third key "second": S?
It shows {"hour": 4, "minute": 10}
